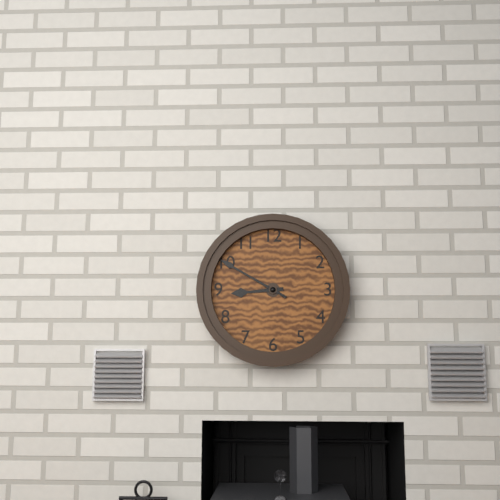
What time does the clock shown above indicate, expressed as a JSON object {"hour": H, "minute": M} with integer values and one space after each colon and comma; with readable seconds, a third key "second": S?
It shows {"hour": 8, "minute": 50}
